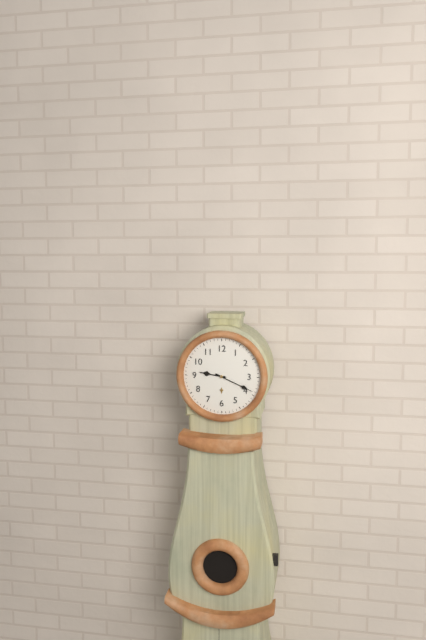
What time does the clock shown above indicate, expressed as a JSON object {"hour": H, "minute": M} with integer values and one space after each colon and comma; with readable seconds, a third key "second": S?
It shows {"hour": 9, "minute": 19}
